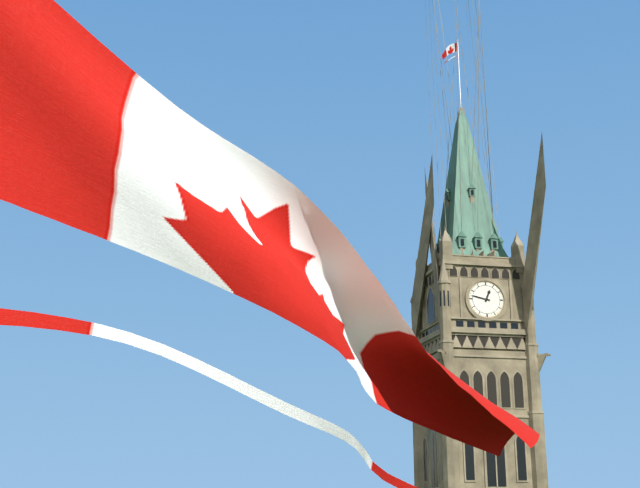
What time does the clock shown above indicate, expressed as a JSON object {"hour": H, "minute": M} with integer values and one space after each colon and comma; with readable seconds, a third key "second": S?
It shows {"hour": 12, "minute": 47}
